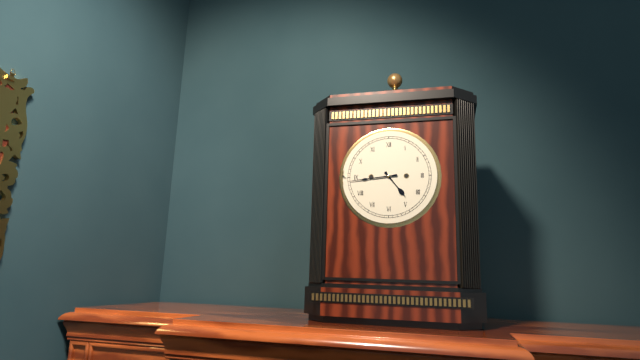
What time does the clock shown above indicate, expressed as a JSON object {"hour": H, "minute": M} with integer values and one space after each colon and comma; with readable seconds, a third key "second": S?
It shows {"hour": 4, "minute": 44}
